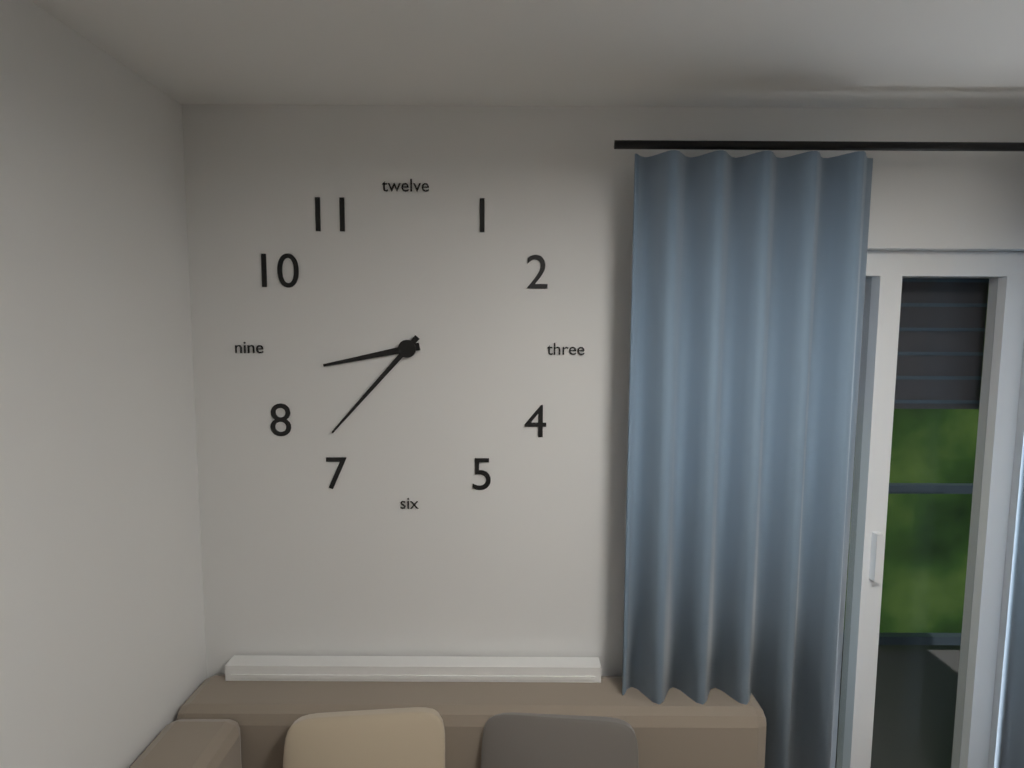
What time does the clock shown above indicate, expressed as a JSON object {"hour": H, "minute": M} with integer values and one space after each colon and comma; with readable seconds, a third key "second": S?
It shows {"hour": 8, "minute": 37}
